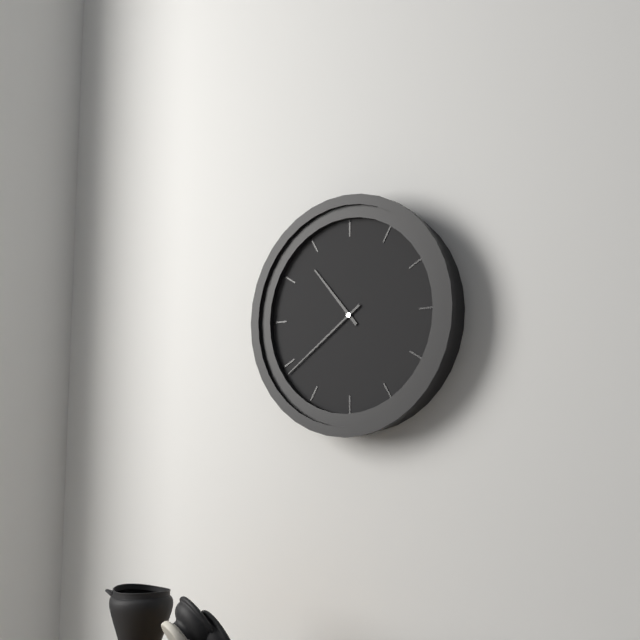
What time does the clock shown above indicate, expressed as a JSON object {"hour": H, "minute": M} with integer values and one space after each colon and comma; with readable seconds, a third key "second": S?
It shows {"hour": 10, "minute": 39}
